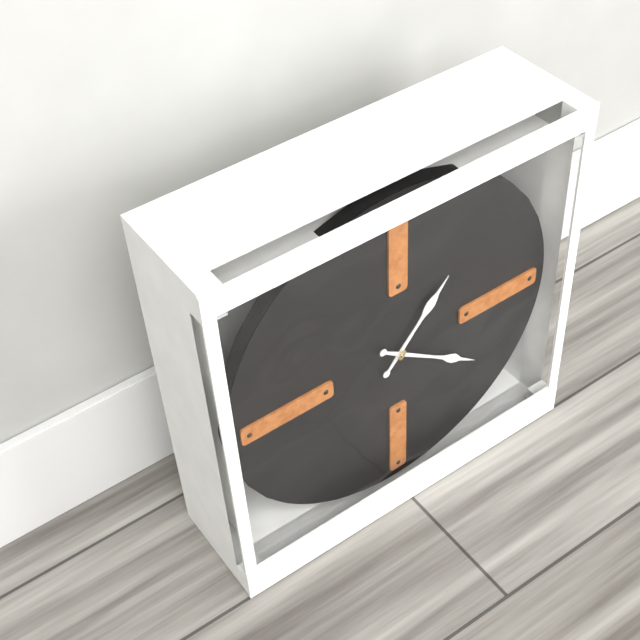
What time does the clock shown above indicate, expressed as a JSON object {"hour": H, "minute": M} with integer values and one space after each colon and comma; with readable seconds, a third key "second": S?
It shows {"hour": 1, "minute": 21}
